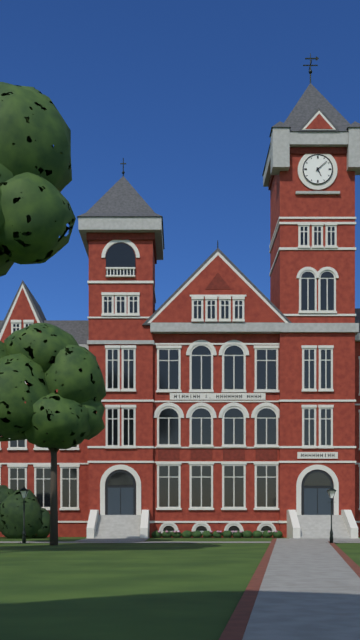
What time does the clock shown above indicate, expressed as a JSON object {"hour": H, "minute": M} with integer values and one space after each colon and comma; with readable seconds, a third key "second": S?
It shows {"hour": 5, "minute": 8}
